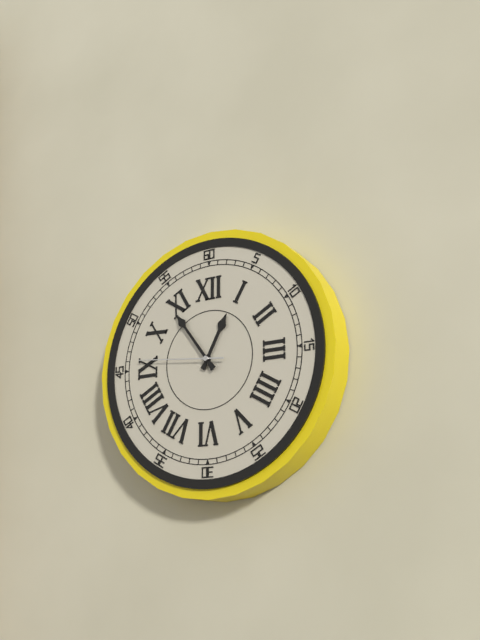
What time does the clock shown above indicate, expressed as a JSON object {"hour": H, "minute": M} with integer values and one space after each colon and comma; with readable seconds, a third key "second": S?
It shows {"hour": 12, "minute": 54, "second": 46}
